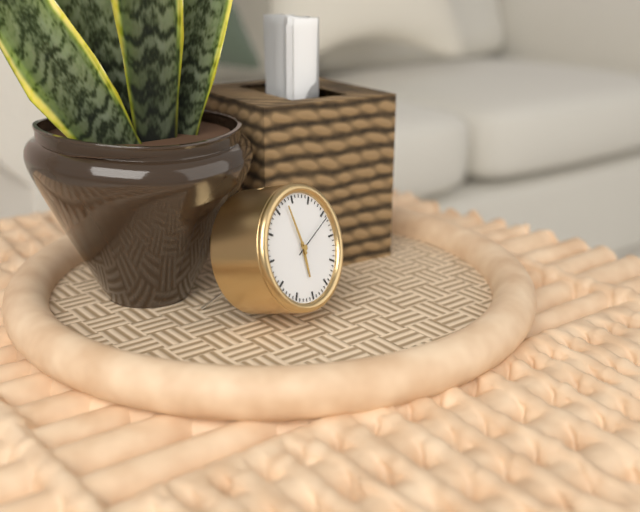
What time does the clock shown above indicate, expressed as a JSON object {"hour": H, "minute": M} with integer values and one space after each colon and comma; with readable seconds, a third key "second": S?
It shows {"hour": 5, "minute": 58}
